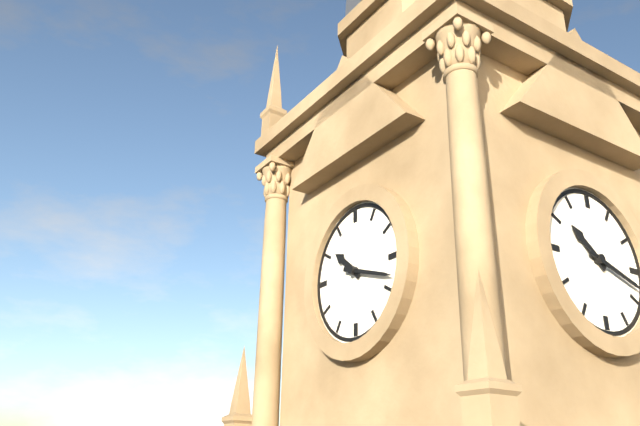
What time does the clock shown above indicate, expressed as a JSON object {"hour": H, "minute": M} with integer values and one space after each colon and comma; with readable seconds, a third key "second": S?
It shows {"hour": 10, "minute": 18}
